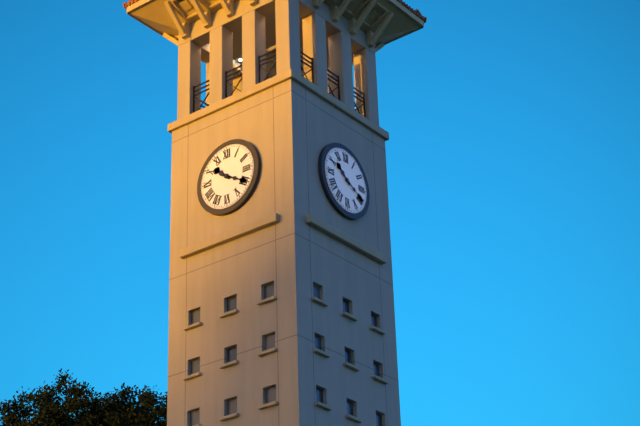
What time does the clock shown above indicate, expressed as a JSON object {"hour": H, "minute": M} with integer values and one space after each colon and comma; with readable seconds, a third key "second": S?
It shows {"hour": 10, "minute": 20}
